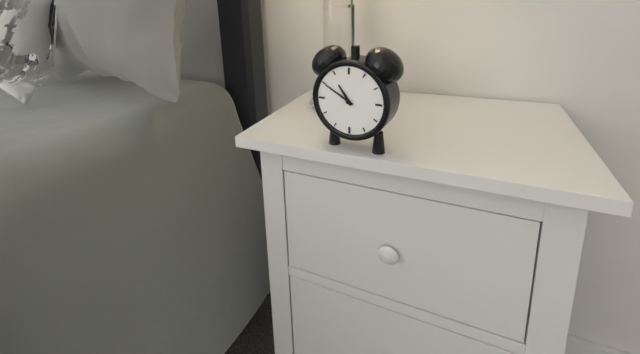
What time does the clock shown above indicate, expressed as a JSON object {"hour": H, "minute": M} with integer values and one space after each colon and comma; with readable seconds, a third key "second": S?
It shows {"hour": 10, "minute": 50}
